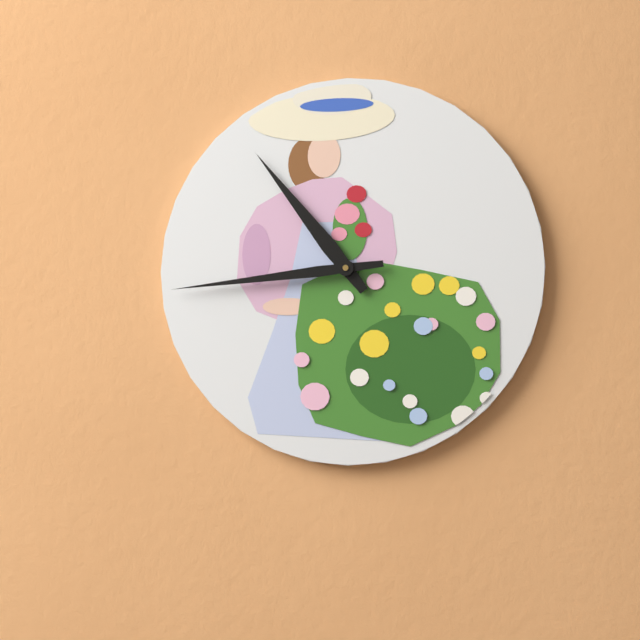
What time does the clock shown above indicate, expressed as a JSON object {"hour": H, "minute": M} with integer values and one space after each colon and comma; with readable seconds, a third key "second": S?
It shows {"hour": 10, "minute": 44}
